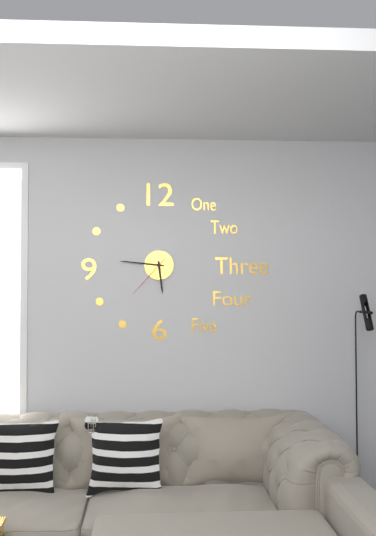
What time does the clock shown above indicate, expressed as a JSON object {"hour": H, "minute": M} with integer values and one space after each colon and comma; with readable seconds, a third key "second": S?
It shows {"hour": 5, "minute": 46, "second": 37}
